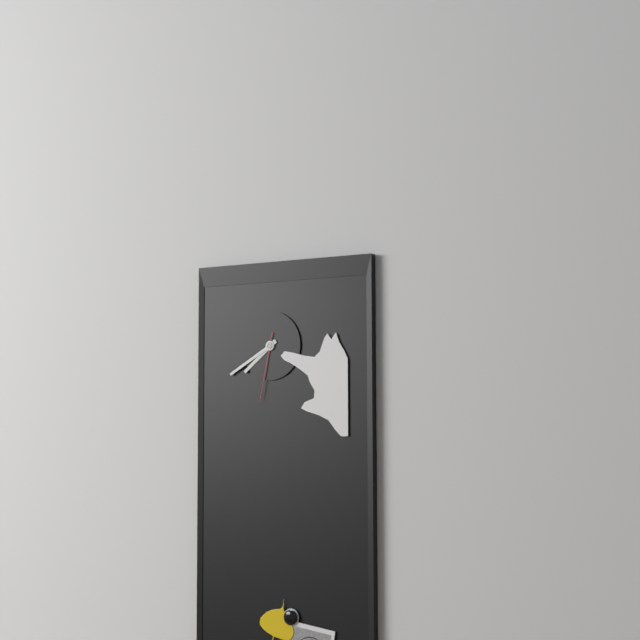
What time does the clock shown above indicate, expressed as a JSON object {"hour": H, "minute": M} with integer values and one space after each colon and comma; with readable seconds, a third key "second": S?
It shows {"hour": 7, "minute": 40, "second": 32}
